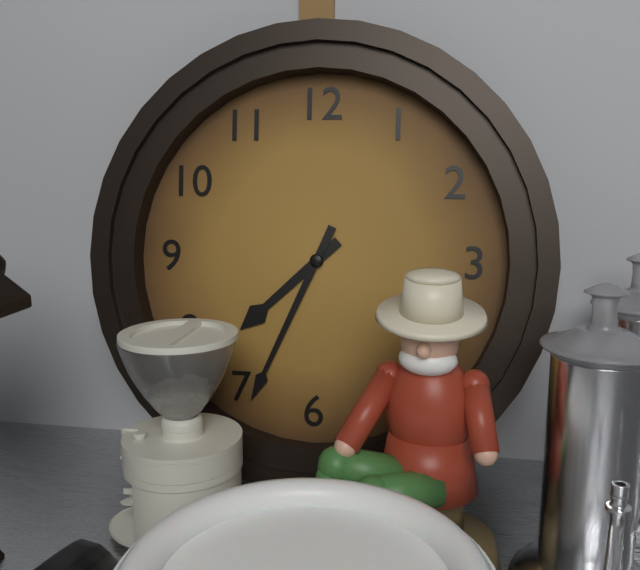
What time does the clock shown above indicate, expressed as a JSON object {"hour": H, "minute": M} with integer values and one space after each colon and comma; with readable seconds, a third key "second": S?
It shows {"hour": 7, "minute": 34}
